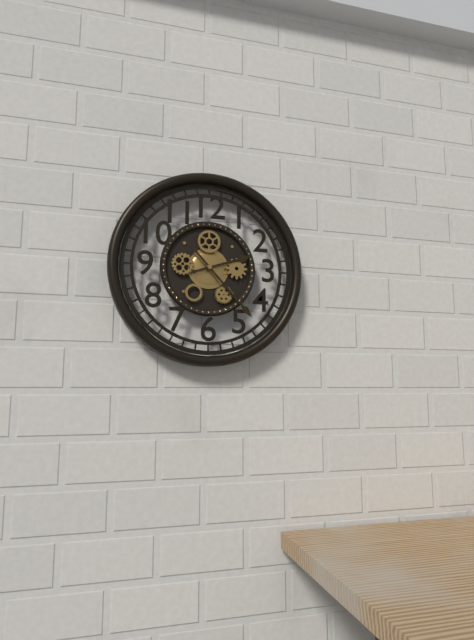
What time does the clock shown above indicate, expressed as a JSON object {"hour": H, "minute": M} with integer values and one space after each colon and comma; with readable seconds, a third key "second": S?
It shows {"hour": 2, "minute": 23}
